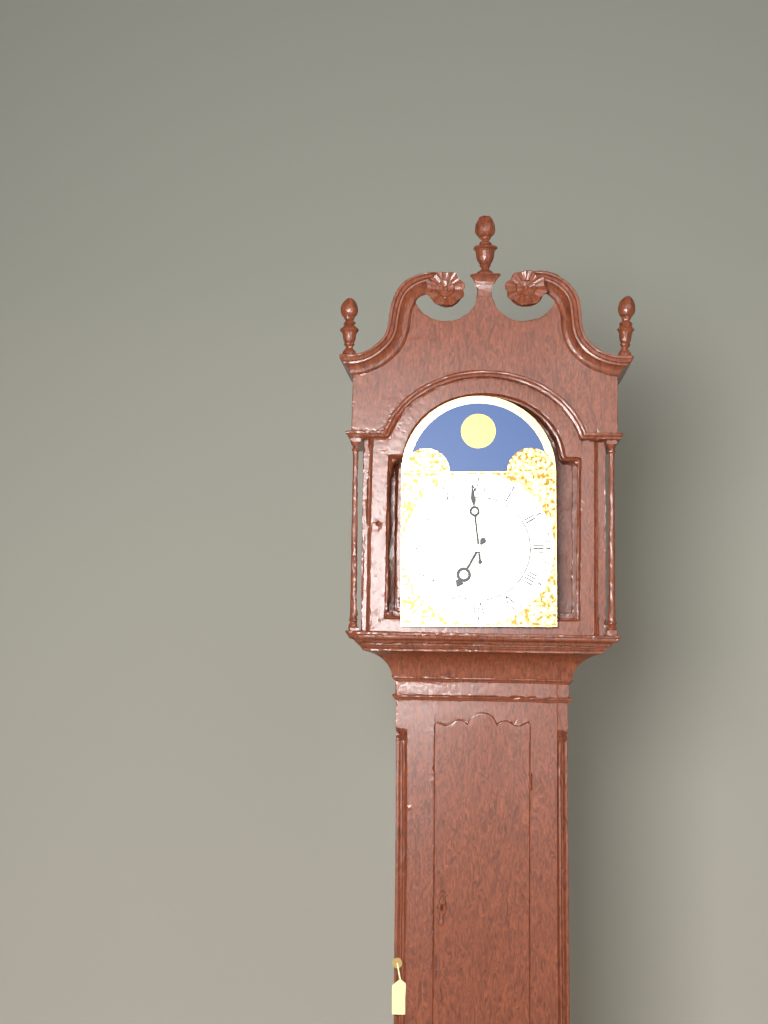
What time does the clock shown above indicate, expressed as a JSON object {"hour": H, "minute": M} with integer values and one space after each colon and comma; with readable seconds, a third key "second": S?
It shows {"hour": 6, "minute": 59}
